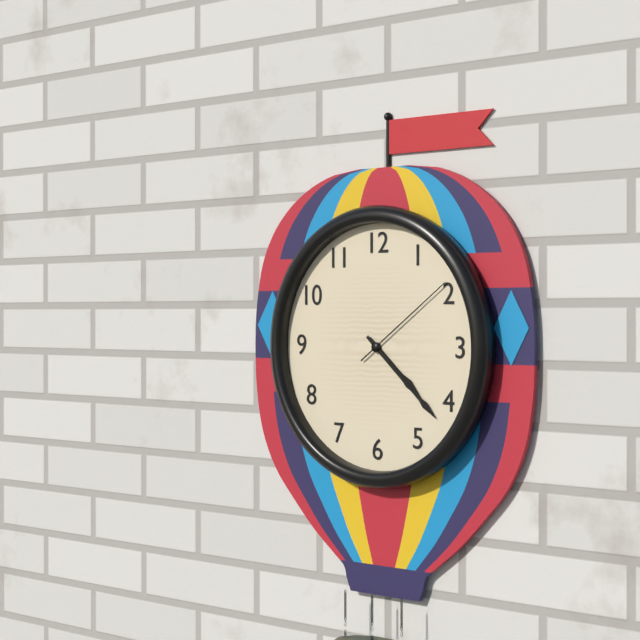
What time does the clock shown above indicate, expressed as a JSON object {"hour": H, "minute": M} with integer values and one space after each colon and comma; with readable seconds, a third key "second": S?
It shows {"hour": 4, "minute": 22, "second": 9}
